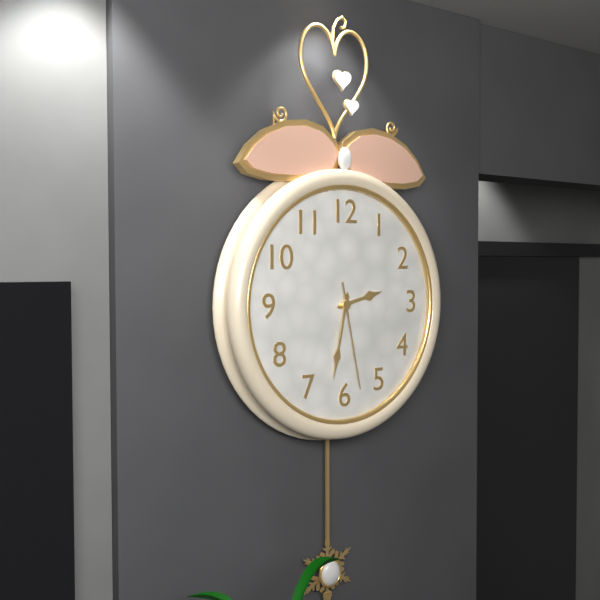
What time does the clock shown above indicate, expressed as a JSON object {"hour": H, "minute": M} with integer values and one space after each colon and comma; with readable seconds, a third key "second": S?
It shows {"hour": 2, "minute": 32, "second": 28}
